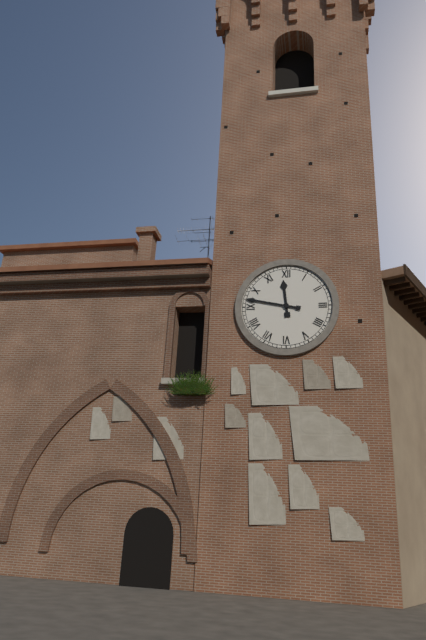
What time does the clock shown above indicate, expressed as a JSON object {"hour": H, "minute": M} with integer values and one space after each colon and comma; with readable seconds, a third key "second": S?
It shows {"hour": 11, "minute": 47}
